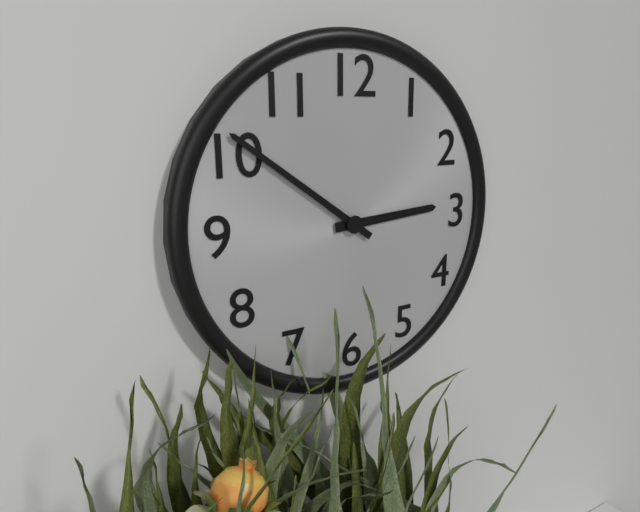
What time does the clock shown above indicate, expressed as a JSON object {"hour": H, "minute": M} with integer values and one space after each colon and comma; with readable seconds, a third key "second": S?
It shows {"hour": 2, "minute": 51}
